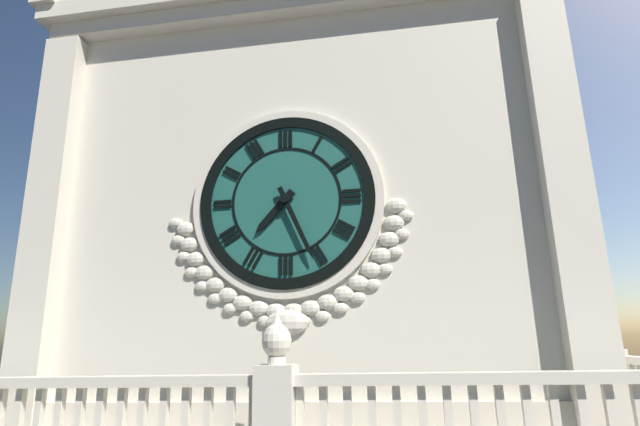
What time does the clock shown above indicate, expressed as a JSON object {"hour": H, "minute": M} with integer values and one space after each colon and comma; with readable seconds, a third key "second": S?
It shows {"hour": 7, "minute": 26}
